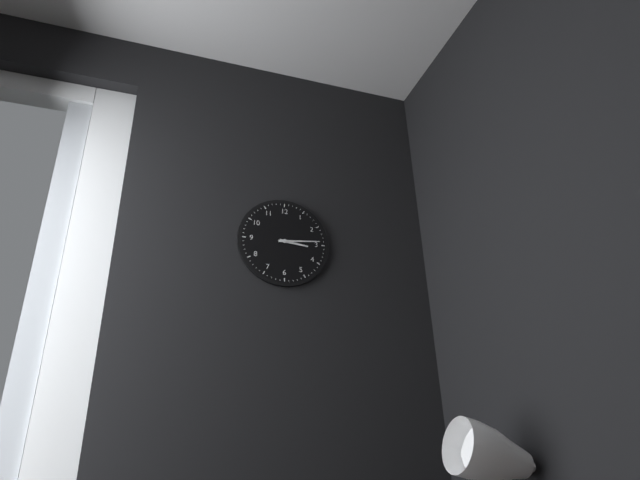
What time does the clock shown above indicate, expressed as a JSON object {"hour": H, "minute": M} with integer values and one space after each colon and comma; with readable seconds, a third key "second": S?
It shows {"hour": 3, "minute": 14}
